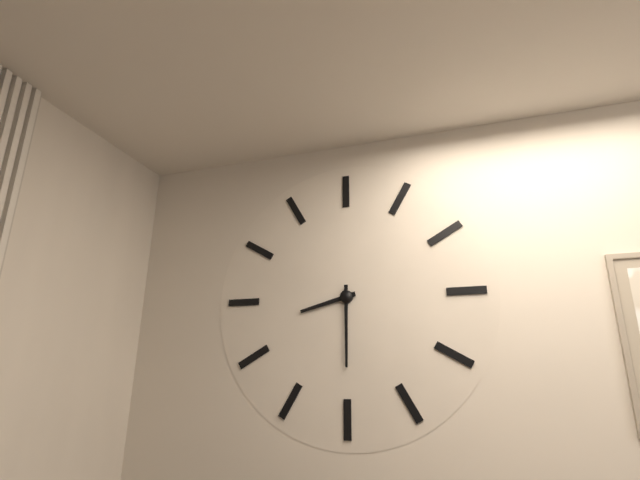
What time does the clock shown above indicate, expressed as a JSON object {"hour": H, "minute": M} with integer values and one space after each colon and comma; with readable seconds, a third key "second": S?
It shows {"hour": 8, "minute": 30}
